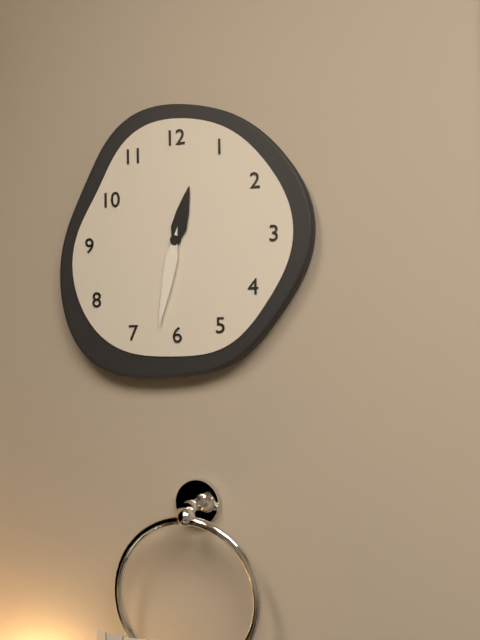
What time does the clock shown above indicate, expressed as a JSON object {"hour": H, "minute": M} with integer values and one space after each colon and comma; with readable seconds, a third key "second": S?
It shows {"hour": 12, "minute": 32}
